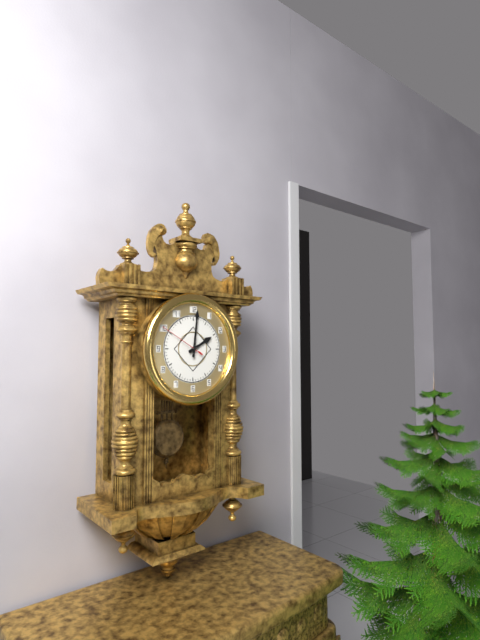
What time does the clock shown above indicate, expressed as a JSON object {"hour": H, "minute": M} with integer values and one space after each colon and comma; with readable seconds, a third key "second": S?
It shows {"hour": 2, "minute": 1}
